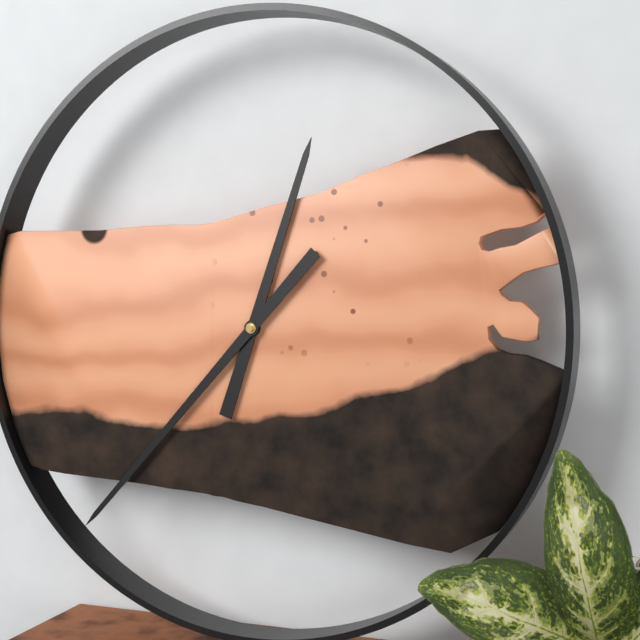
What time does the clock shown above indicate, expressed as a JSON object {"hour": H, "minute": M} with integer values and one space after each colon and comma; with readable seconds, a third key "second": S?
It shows {"hour": 12, "minute": 37}
